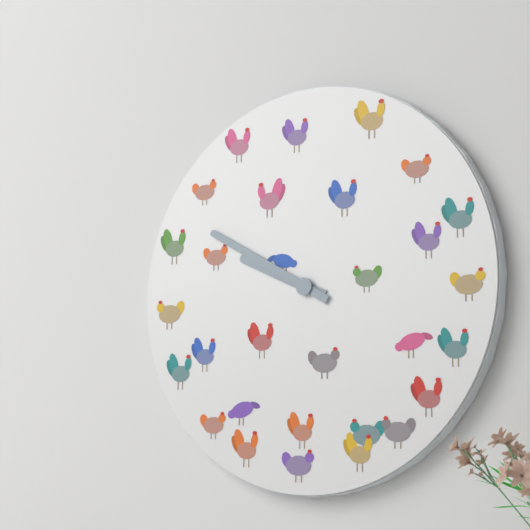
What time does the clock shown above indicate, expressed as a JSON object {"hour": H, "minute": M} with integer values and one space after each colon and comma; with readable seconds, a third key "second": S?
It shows {"hour": 9, "minute": 50}
